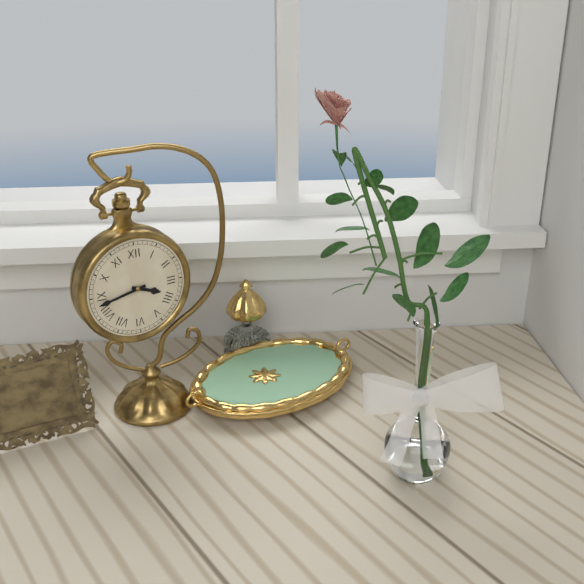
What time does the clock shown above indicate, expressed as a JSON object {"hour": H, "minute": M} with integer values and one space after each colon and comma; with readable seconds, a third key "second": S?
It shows {"hour": 3, "minute": 43}
